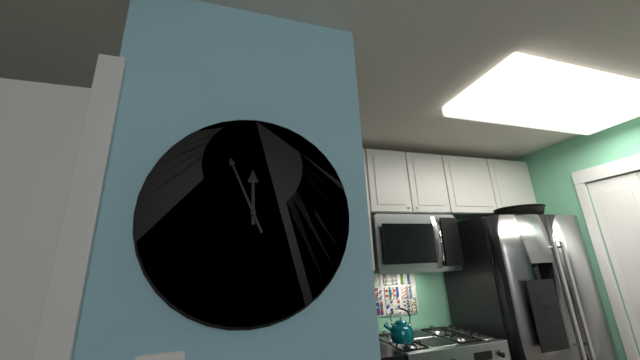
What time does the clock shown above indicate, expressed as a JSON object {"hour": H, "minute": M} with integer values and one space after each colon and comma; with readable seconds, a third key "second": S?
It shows {"hour": 11, "minute": 56}
